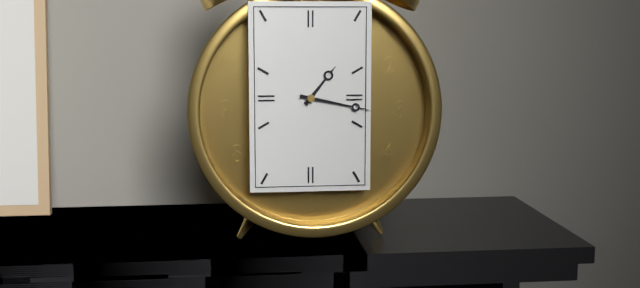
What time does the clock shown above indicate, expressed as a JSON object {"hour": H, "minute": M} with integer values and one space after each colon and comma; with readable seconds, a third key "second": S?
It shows {"hour": 1, "minute": 17}
